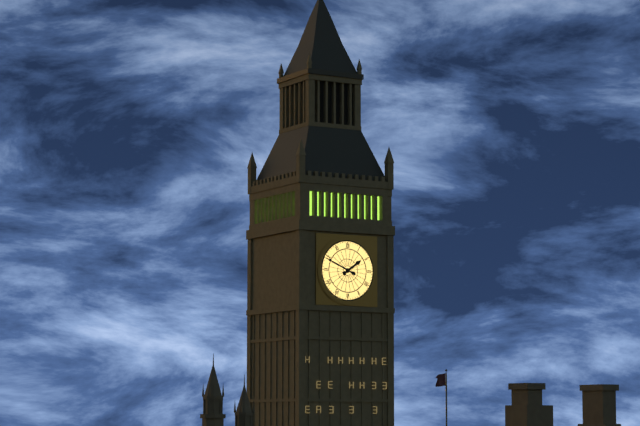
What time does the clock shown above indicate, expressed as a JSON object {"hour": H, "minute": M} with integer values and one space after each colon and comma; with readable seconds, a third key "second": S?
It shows {"hour": 1, "minute": 49}
